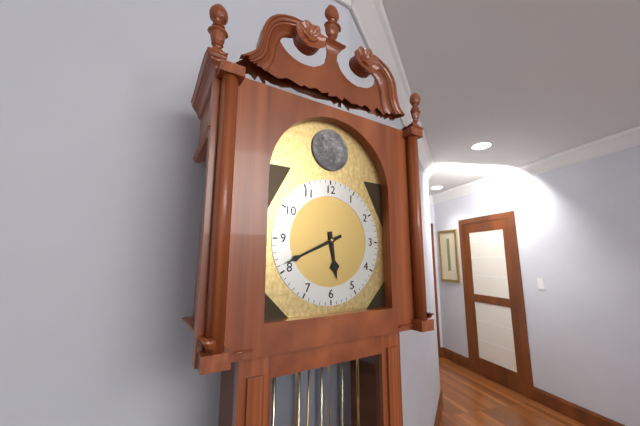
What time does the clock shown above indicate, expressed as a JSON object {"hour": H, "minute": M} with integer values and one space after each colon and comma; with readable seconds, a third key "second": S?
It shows {"hour": 5, "minute": 41}
